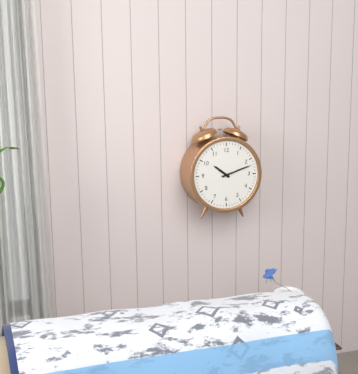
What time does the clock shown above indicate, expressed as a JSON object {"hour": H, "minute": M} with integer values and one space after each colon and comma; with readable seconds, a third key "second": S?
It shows {"hour": 10, "minute": 12}
